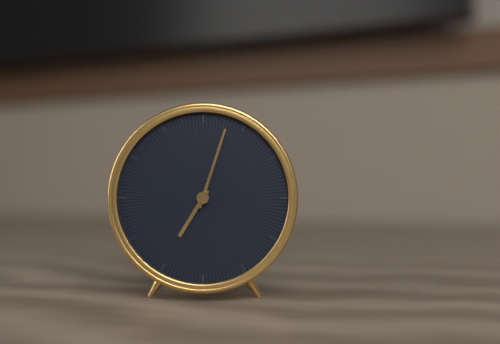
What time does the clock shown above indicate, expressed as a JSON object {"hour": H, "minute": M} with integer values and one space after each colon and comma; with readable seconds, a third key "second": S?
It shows {"hour": 7, "minute": 3}
